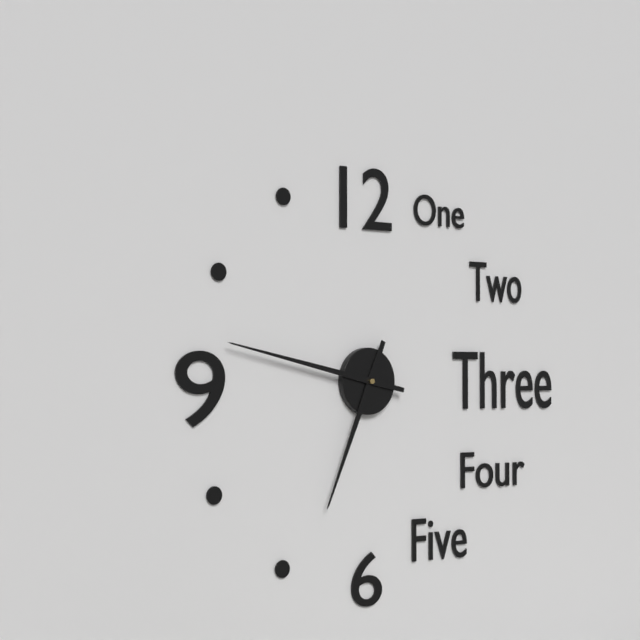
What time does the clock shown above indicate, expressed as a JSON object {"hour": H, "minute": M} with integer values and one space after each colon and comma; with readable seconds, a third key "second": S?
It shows {"hour": 6, "minute": 47}
